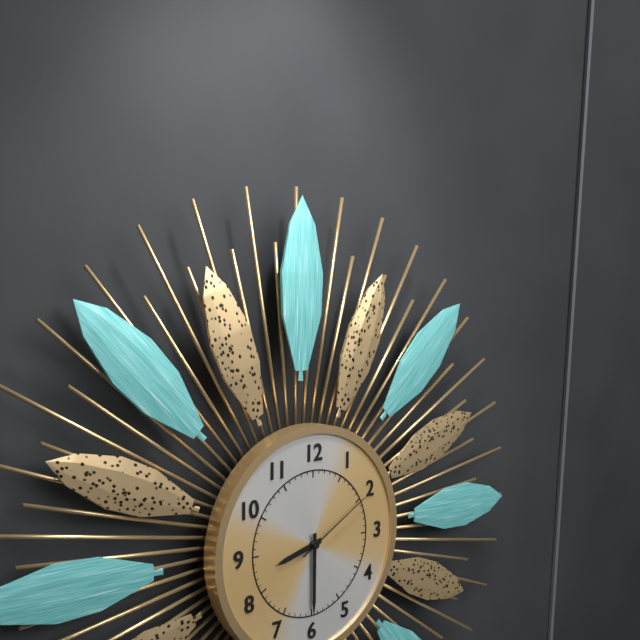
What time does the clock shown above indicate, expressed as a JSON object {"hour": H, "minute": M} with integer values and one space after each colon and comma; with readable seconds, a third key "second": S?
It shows {"hour": 8, "minute": 30, "second": 10}
